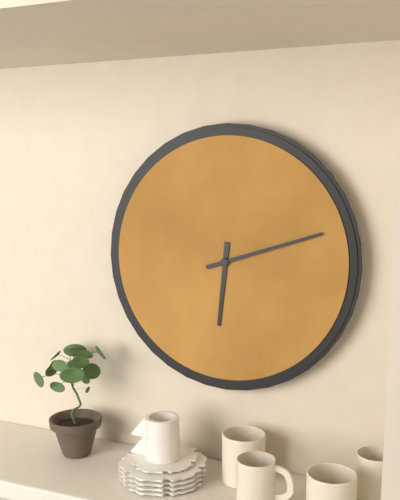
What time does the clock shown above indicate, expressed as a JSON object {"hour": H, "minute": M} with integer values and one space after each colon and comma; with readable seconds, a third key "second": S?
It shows {"hour": 6, "minute": 12}
